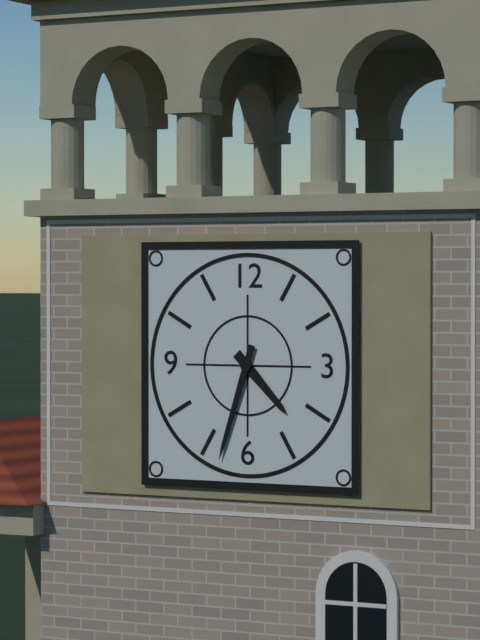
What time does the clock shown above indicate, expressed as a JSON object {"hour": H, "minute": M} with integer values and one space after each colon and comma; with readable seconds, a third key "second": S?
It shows {"hour": 4, "minute": 33}
